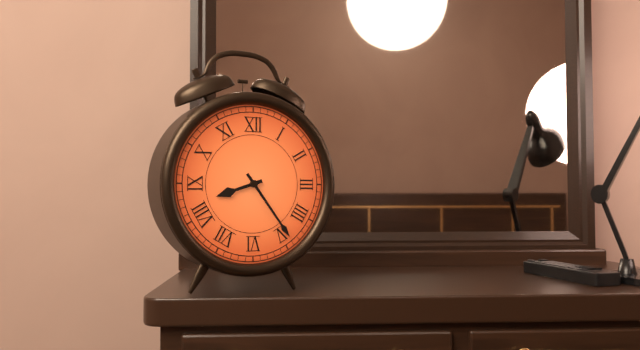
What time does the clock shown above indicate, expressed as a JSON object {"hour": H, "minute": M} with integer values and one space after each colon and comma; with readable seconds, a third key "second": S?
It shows {"hour": 8, "minute": 24}
